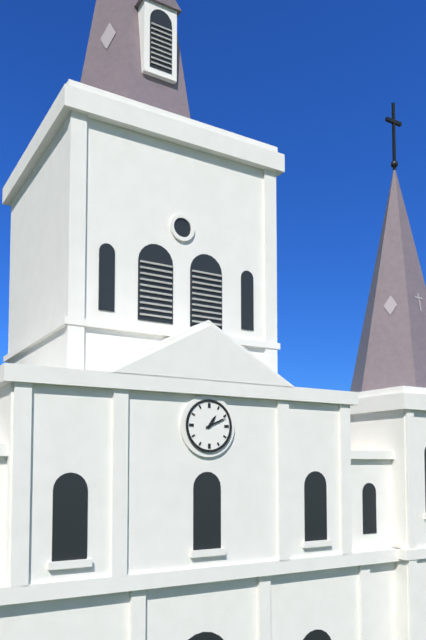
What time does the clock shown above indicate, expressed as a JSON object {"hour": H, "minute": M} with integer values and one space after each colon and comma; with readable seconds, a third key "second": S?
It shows {"hour": 1, "minute": 11}
